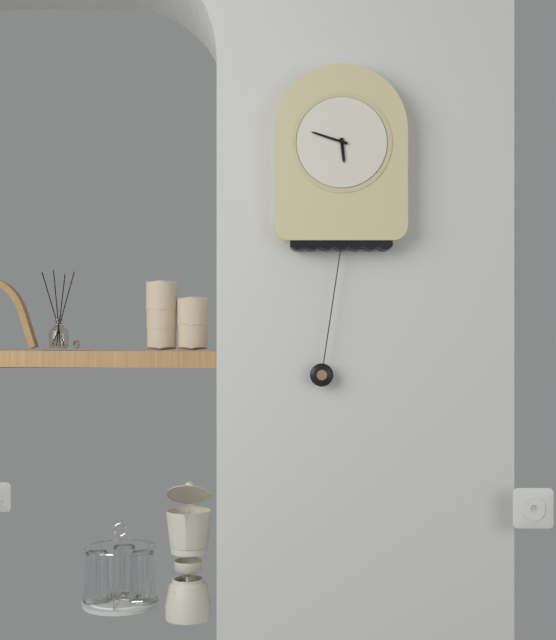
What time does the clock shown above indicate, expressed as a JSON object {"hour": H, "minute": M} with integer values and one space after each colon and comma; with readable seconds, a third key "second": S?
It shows {"hour": 5, "minute": 48}
